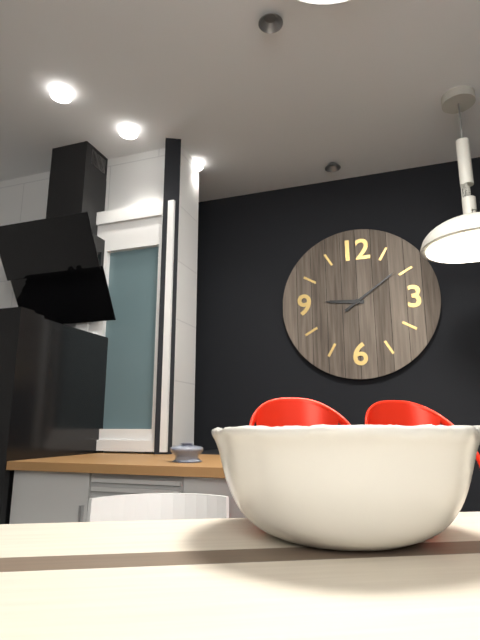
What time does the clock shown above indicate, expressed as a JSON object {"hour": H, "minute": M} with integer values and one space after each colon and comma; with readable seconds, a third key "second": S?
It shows {"hour": 9, "minute": 9}
